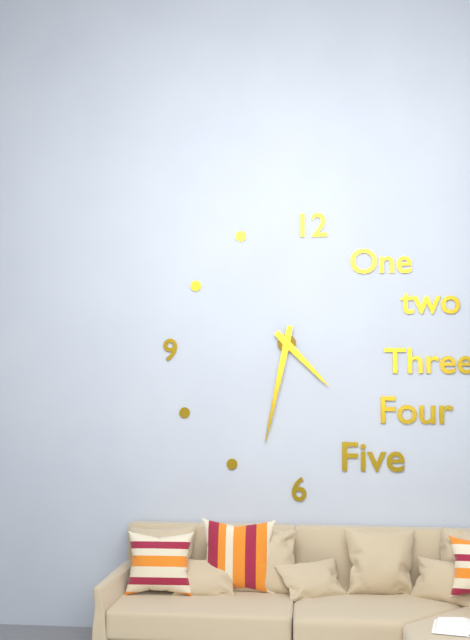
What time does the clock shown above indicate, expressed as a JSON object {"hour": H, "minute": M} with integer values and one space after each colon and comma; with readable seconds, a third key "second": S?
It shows {"hour": 4, "minute": 32}
